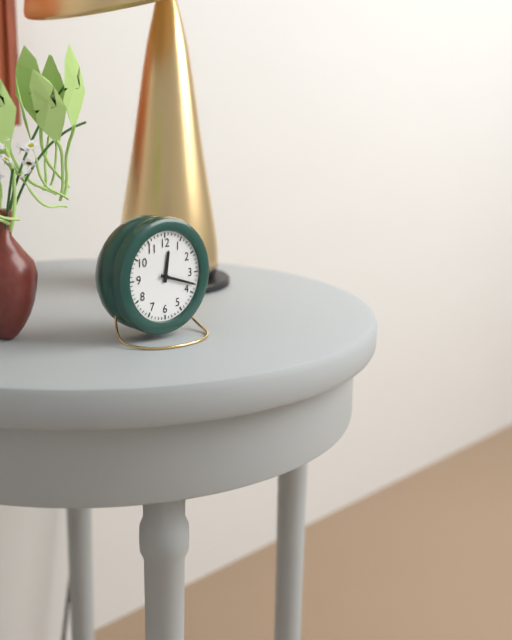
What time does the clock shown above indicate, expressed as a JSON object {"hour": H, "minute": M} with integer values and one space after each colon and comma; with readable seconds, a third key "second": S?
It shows {"hour": 12, "minute": 18}
